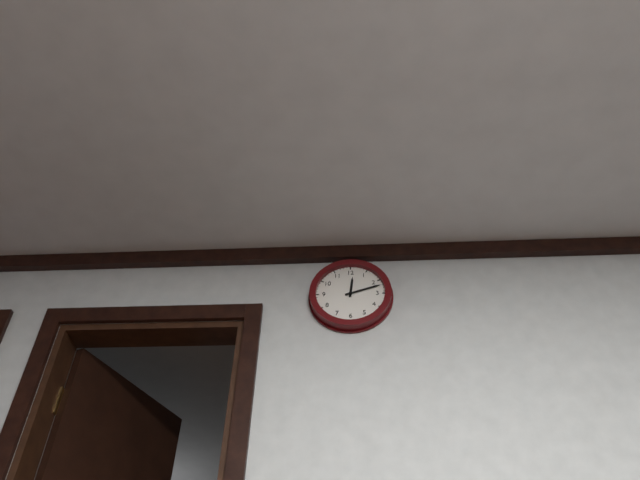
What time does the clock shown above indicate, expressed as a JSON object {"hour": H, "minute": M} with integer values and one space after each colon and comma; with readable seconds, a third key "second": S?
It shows {"hour": 12, "minute": 12}
